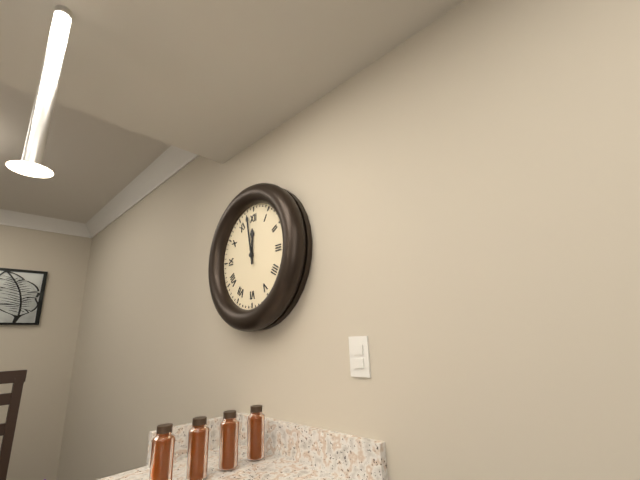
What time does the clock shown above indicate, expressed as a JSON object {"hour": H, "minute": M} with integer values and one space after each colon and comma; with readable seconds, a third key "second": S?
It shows {"hour": 11, "minute": 58}
